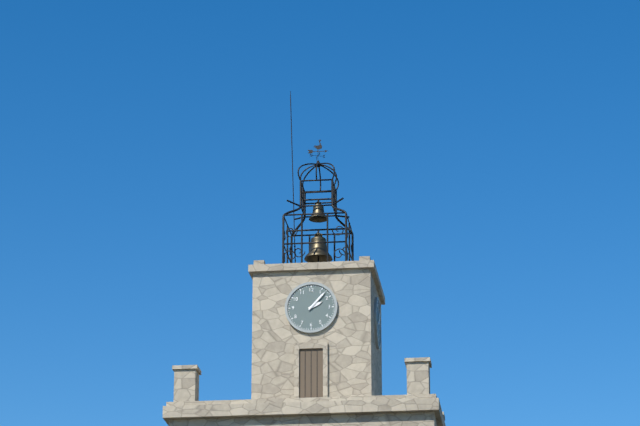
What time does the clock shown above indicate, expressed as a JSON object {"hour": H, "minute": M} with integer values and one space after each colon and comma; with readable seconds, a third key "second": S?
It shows {"hour": 2, "minute": 7}
